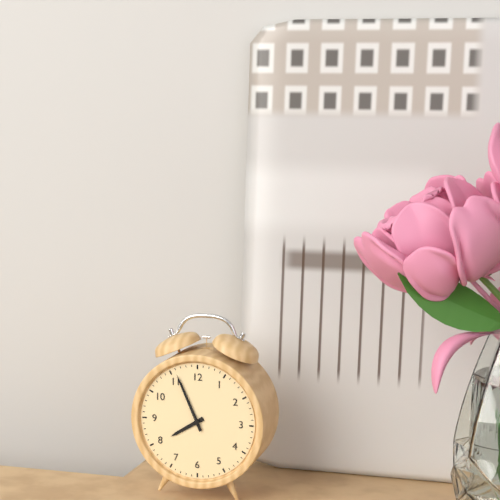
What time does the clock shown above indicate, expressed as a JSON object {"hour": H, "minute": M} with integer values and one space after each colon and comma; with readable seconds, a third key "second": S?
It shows {"hour": 7, "minute": 56}
